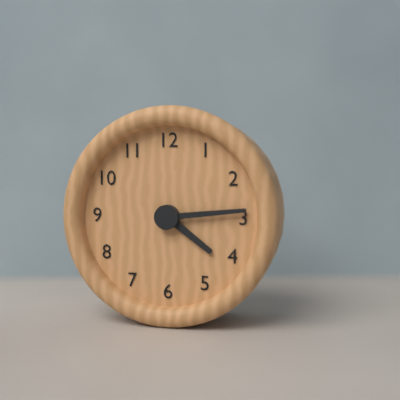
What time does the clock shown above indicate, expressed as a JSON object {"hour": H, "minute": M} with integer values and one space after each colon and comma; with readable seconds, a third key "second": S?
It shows {"hour": 4, "minute": 14}
